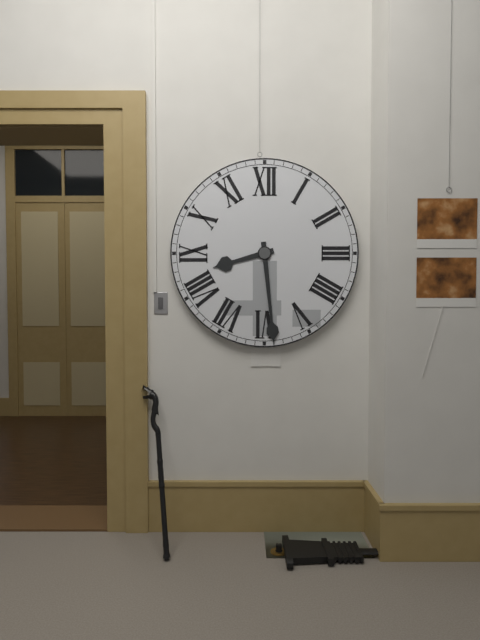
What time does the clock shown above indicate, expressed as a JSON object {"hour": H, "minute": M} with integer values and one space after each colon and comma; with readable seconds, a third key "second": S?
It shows {"hour": 8, "minute": 29}
